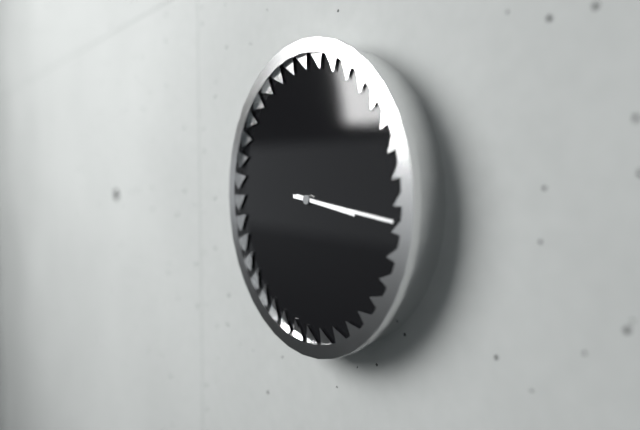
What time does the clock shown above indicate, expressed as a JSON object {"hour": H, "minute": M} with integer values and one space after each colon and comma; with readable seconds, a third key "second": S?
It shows {"hour": 3, "minute": 16}
